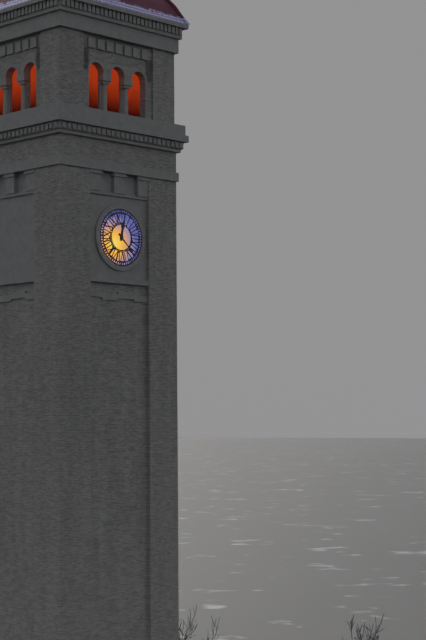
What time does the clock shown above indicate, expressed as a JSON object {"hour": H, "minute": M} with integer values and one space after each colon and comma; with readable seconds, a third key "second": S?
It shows {"hour": 12, "minute": 22}
